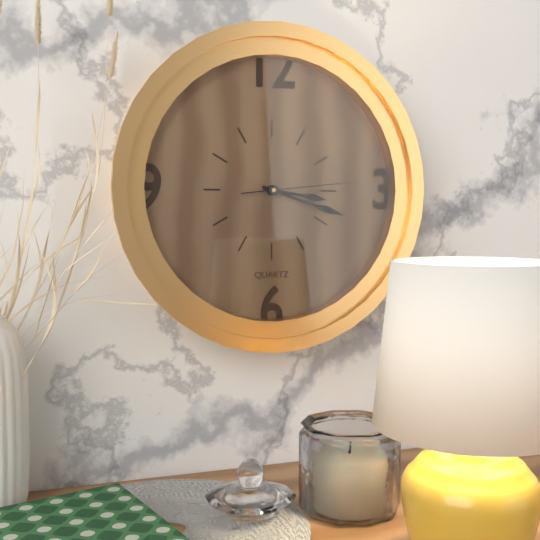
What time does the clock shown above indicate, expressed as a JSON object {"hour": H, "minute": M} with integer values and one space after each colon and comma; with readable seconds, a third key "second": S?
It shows {"hour": 3, "minute": 18, "second": 14}
